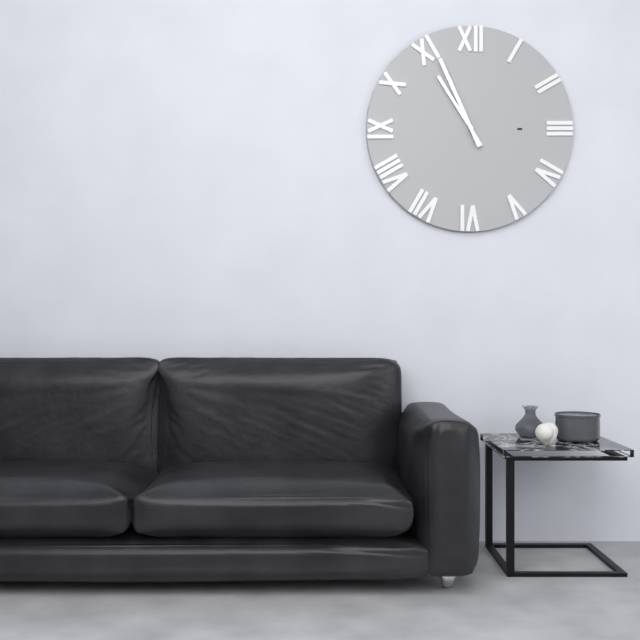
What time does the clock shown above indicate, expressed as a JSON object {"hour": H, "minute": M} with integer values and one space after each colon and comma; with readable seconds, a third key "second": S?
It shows {"hour": 10, "minute": 56}
